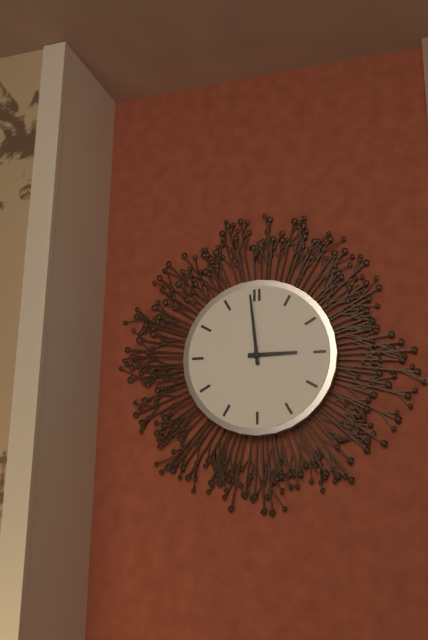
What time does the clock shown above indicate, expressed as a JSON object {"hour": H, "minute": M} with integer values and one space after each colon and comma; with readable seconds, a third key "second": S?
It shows {"hour": 2, "minute": 59}
